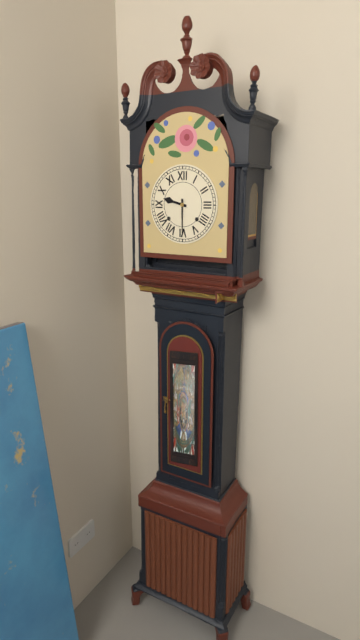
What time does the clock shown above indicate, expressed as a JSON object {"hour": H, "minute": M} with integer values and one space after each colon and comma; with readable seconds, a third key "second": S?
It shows {"hour": 9, "minute": 30}
